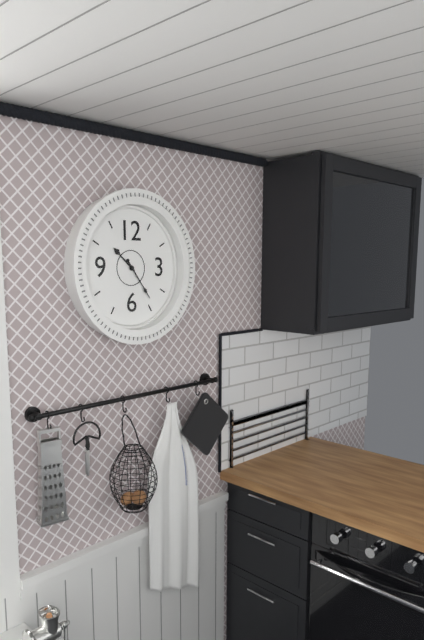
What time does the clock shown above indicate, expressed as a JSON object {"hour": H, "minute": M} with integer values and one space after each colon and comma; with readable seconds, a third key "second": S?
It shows {"hour": 10, "minute": 24}
